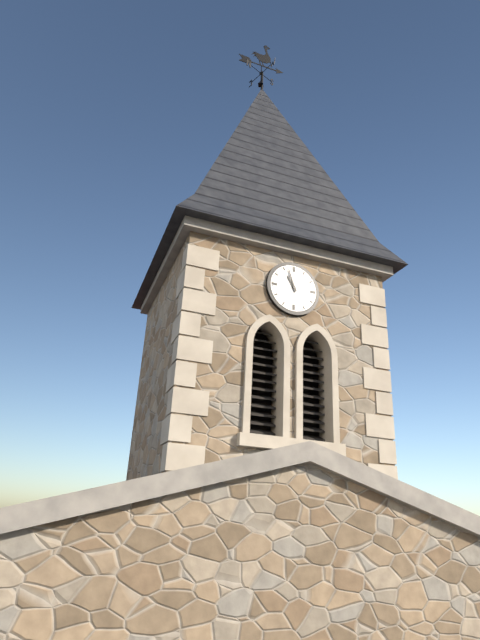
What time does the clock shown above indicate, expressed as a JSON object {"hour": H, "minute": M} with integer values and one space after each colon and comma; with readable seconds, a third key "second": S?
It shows {"hour": 10, "minute": 57}
